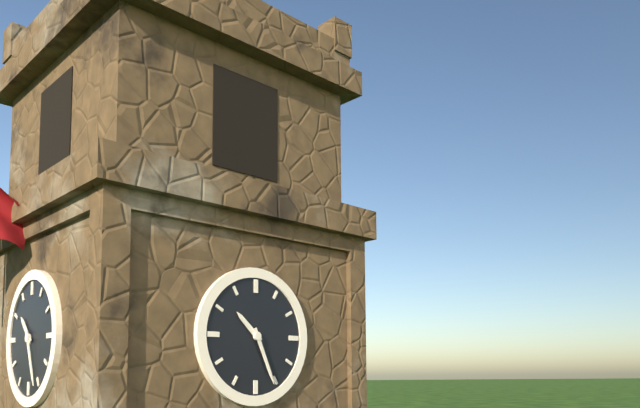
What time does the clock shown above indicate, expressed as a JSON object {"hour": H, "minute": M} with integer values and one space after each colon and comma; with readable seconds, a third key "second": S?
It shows {"hour": 10, "minute": 26}
